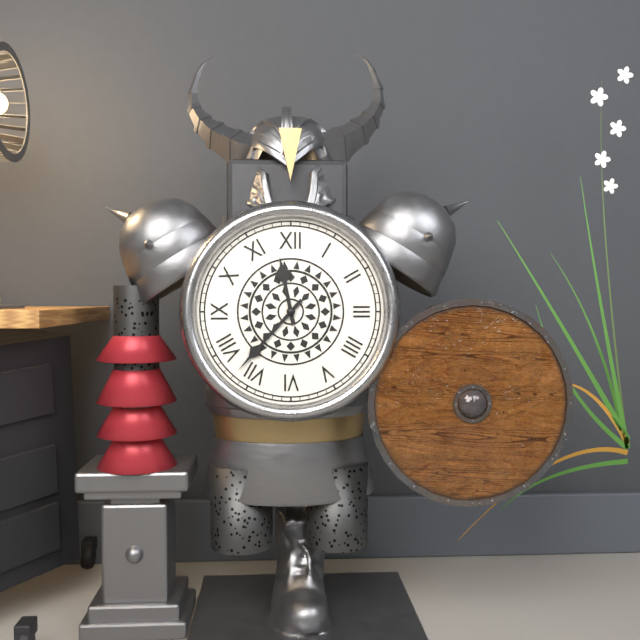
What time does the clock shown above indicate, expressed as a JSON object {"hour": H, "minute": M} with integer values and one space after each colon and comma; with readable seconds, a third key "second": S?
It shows {"hour": 11, "minute": 37}
